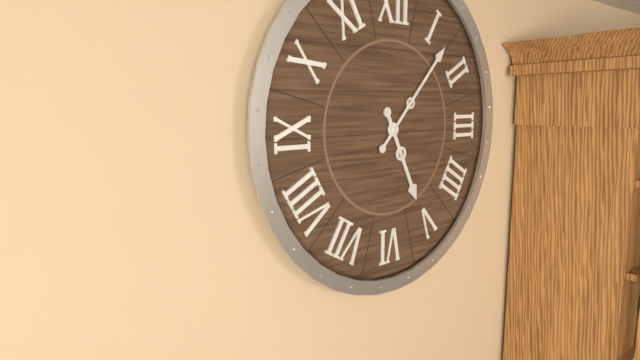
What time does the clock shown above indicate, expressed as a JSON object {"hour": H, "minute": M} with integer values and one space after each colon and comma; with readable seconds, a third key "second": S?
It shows {"hour": 5, "minute": 7}
